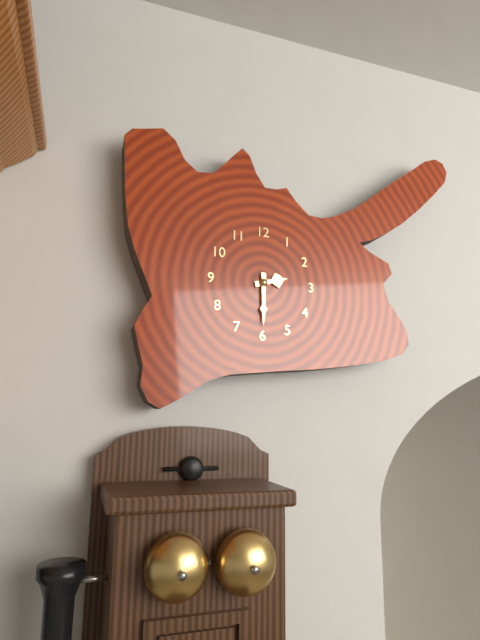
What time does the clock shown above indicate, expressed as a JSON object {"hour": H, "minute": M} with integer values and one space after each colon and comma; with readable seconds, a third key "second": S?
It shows {"hour": 2, "minute": 30}
